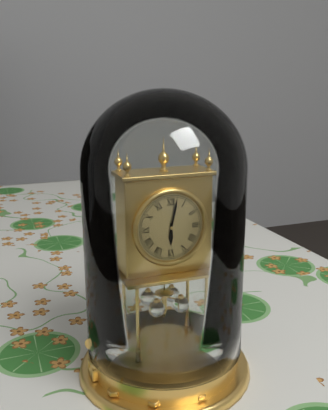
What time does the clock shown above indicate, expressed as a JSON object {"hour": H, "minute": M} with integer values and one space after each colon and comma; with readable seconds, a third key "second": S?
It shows {"hour": 6, "minute": 2}
